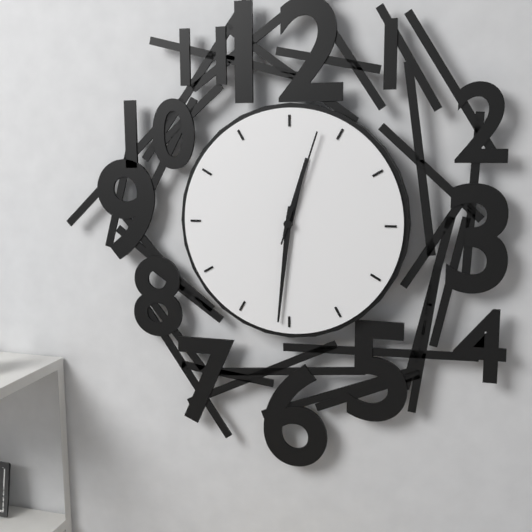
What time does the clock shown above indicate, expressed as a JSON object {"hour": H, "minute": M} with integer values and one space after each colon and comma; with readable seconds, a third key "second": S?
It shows {"hour": 12, "minute": 31, "second": 3}
